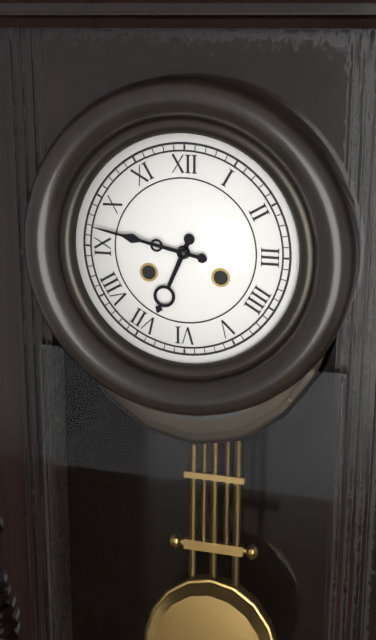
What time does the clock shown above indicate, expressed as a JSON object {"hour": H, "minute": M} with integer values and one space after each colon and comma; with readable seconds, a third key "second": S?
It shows {"hour": 6, "minute": 47}
